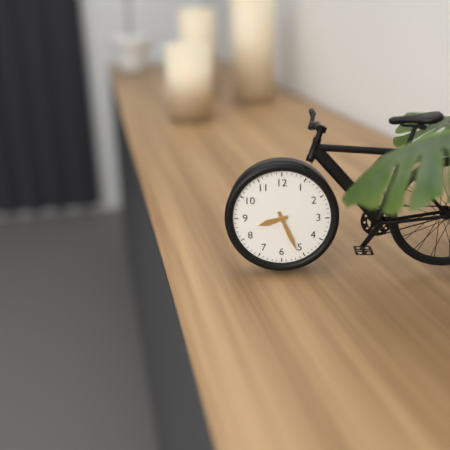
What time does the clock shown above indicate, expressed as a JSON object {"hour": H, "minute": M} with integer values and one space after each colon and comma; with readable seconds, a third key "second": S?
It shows {"hour": 8, "minute": 26}
